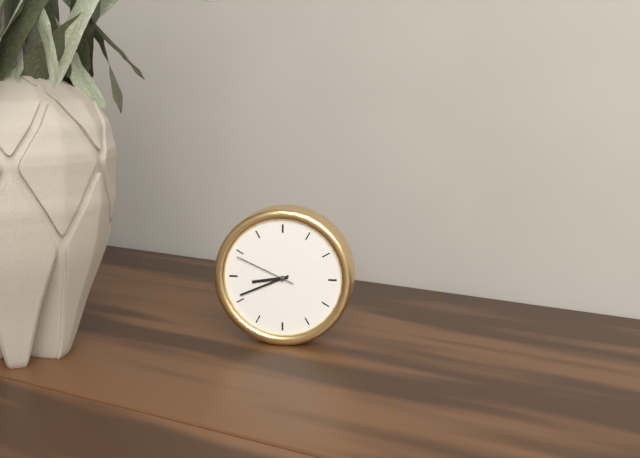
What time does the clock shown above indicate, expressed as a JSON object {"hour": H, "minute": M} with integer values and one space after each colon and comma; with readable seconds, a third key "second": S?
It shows {"hour": 8, "minute": 41, "second": 49}
